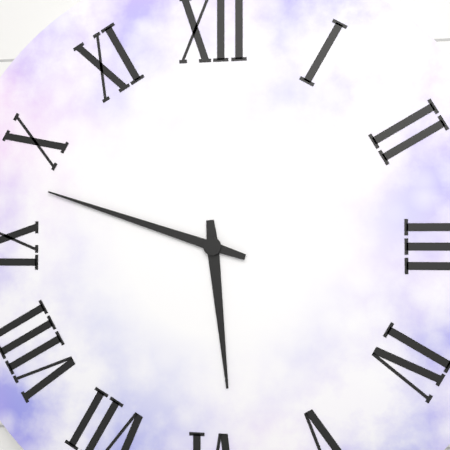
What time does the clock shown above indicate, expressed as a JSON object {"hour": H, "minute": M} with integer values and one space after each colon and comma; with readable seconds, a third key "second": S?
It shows {"hour": 5, "minute": 48}
